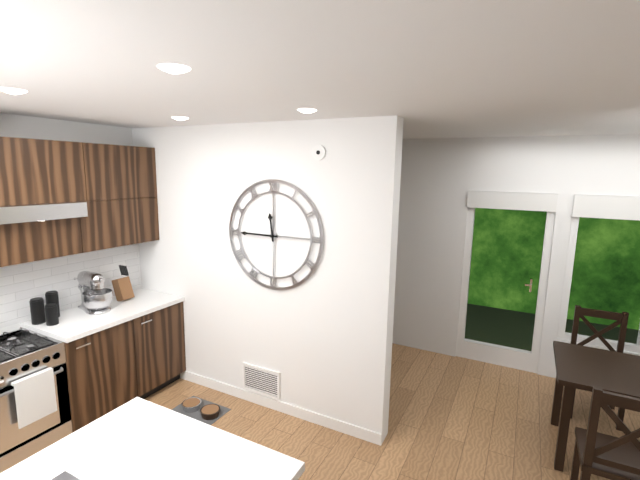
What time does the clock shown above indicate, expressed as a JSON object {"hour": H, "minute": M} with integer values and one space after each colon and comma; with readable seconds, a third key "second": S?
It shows {"hour": 11, "minute": 45}
